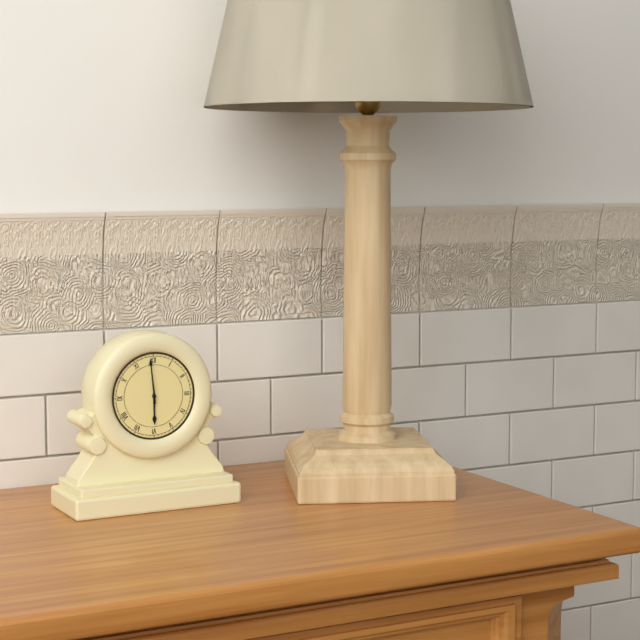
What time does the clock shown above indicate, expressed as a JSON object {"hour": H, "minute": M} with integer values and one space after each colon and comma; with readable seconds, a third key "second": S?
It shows {"hour": 5, "minute": 59}
